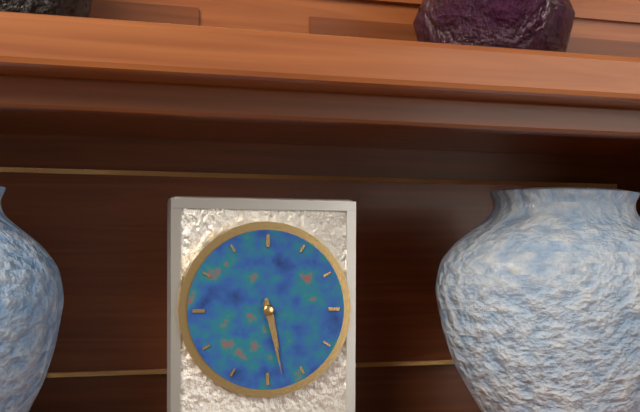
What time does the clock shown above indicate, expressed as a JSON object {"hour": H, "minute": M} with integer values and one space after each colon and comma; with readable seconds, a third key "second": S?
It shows {"hour": 5, "minute": 28}
